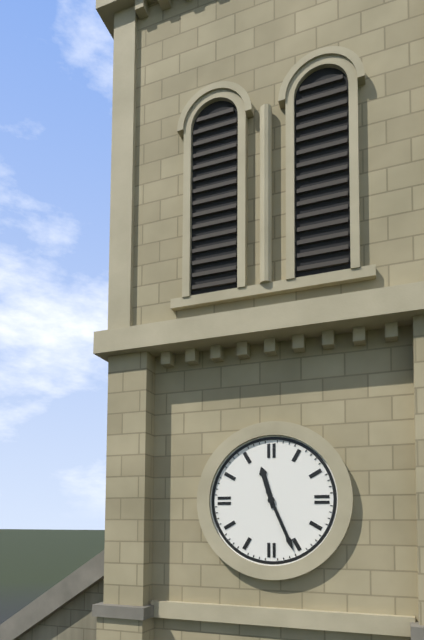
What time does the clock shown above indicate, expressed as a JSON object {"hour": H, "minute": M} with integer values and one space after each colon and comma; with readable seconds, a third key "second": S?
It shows {"hour": 11, "minute": 26}
